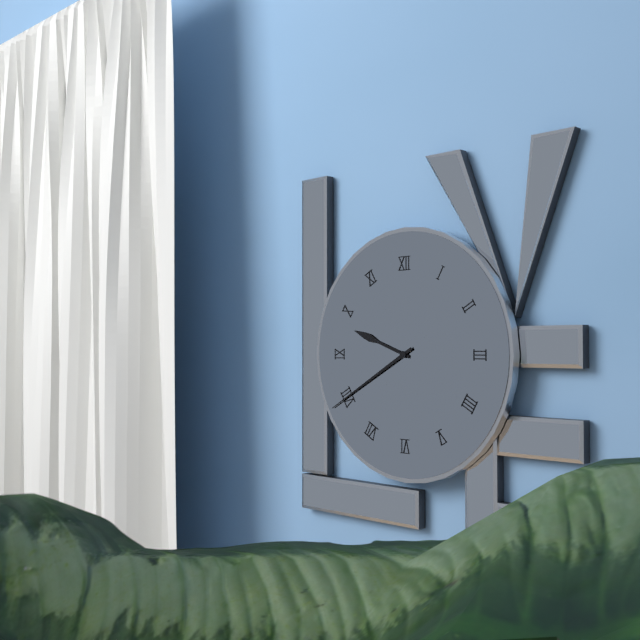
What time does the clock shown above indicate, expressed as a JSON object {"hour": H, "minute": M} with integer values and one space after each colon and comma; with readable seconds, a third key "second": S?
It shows {"hour": 9, "minute": 40}
